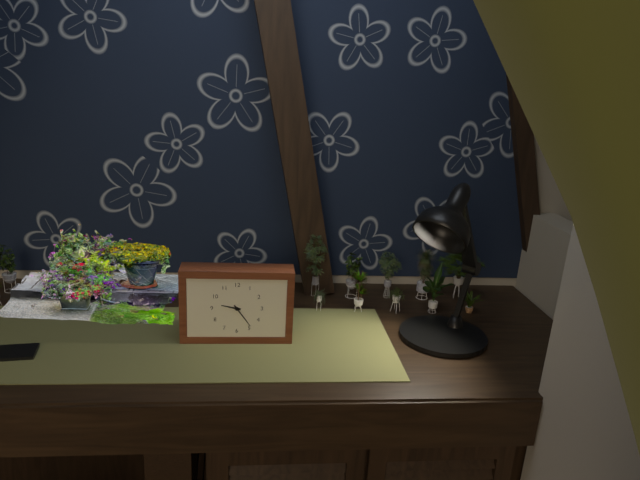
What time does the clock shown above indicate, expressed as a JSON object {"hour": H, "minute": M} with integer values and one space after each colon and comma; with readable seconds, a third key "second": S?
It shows {"hour": 9, "minute": 24}
